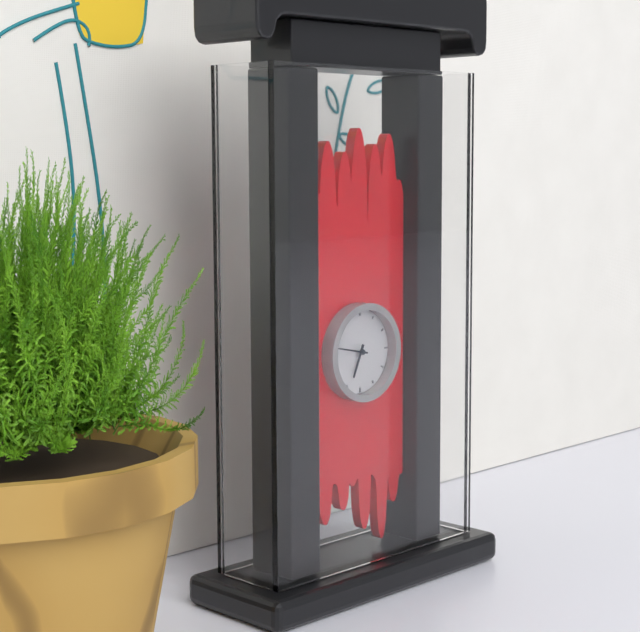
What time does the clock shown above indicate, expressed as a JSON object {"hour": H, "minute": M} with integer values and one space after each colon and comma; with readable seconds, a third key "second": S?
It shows {"hour": 6, "minute": 47}
